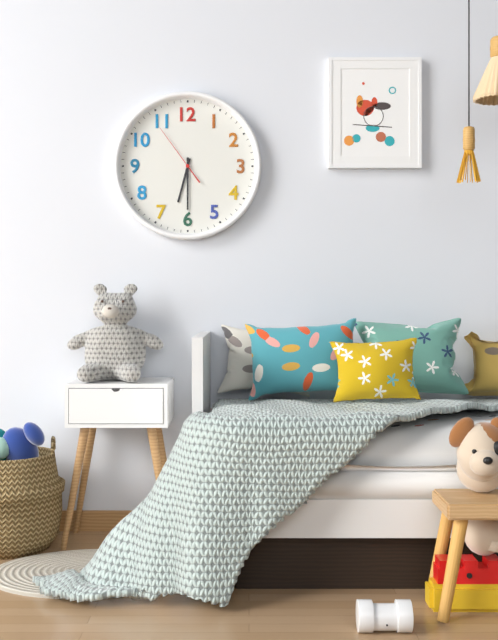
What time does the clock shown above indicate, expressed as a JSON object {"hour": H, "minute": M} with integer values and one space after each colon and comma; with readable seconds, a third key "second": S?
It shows {"hour": 6, "minute": 30, "second": 54}
